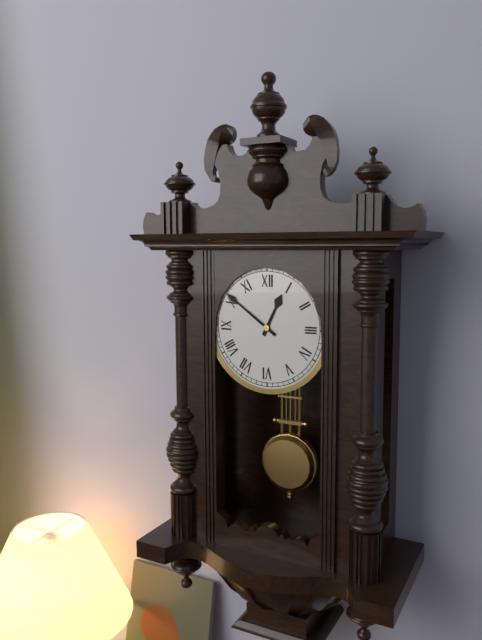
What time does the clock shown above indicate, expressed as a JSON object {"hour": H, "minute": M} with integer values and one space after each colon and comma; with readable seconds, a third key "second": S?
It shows {"hour": 12, "minute": 51}
